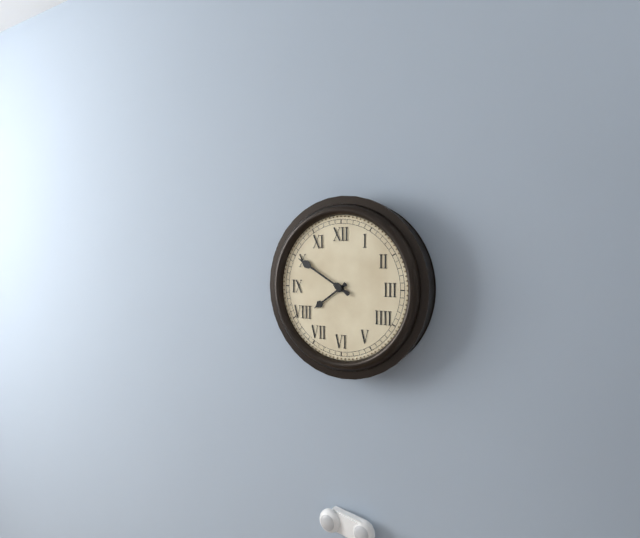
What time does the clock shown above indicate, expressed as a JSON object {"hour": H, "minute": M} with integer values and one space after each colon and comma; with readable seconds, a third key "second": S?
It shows {"hour": 7, "minute": 50}
